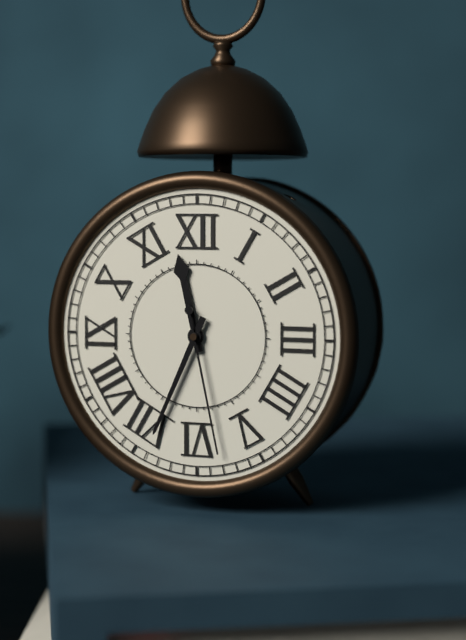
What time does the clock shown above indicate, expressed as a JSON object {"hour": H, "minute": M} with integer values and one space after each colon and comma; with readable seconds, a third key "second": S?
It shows {"hour": 11, "minute": 34, "second": 28}
